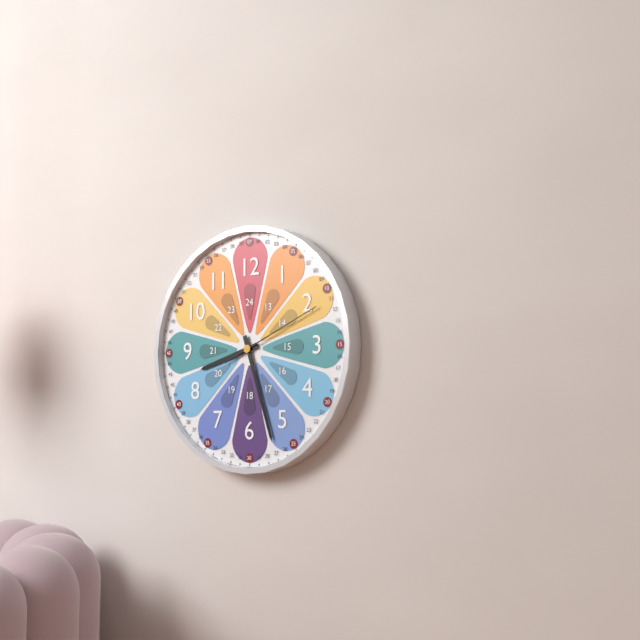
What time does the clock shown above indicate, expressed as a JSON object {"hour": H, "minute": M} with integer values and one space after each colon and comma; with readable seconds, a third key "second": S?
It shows {"hour": 8, "minute": 27, "second": 11}
